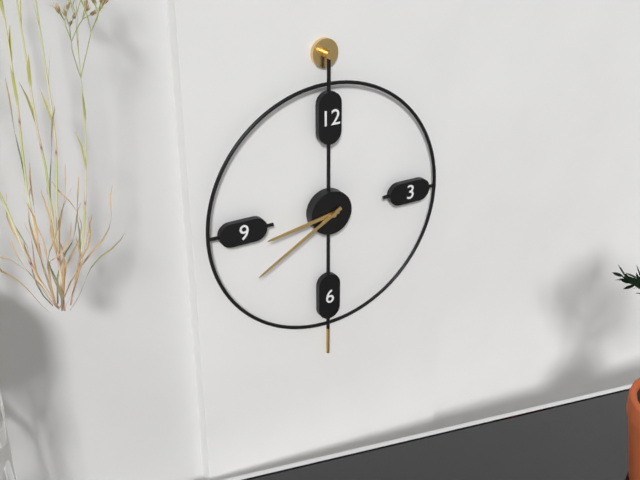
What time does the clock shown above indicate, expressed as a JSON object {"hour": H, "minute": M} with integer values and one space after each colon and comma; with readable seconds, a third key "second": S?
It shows {"hour": 8, "minute": 40}
